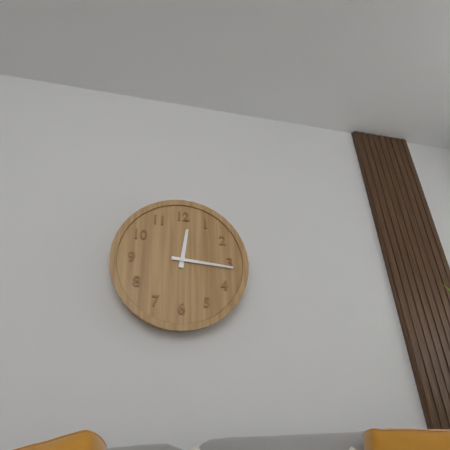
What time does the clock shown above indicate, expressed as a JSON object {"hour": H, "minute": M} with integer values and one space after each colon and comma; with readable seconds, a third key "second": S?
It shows {"hour": 12, "minute": 16}
